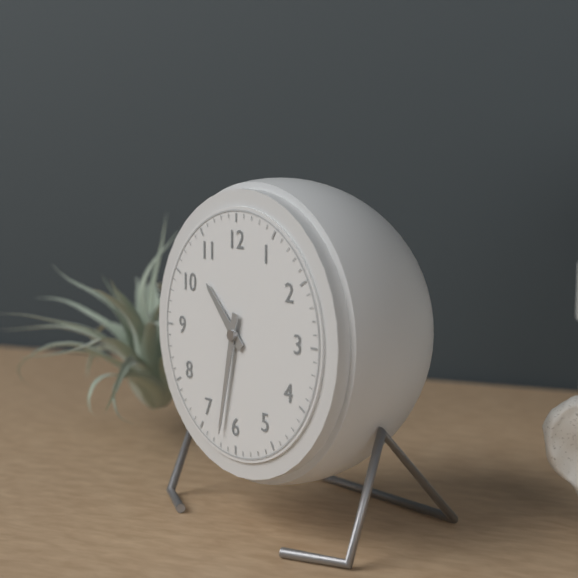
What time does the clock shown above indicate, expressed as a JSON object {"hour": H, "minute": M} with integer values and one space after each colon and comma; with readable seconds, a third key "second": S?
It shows {"hour": 10, "minute": 32}
